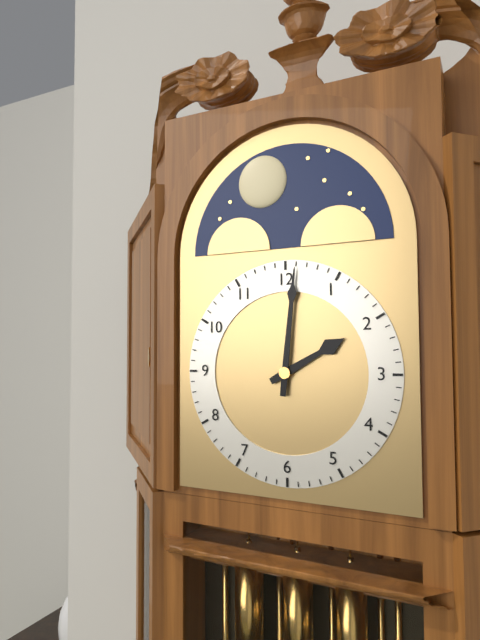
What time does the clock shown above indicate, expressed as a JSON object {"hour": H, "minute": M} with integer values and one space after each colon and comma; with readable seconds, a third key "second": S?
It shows {"hour": 2, "minute": 1}
